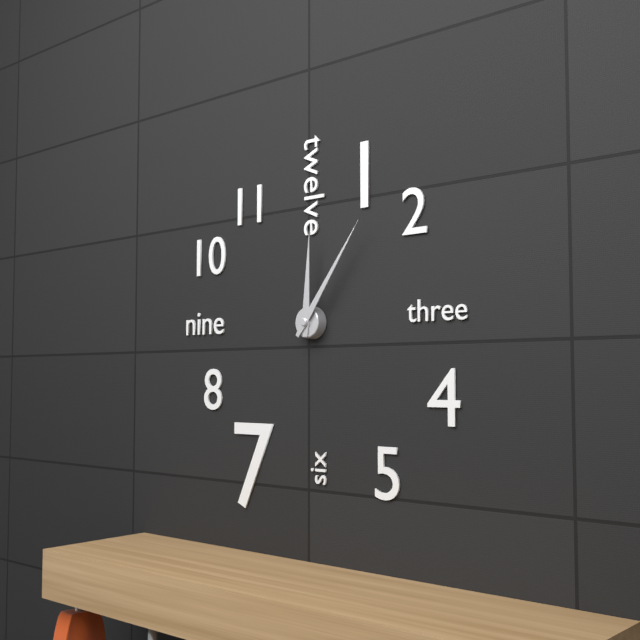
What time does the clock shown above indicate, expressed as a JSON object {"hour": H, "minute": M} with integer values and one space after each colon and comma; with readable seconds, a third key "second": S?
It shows {"hour": 12, "minute": 6}
